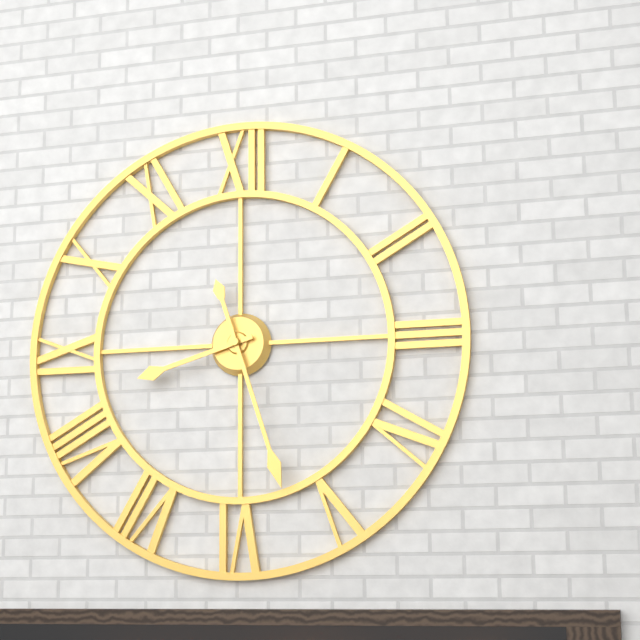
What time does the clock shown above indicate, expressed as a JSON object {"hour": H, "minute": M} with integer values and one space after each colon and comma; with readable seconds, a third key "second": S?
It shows {"hour": 8, "minute": 27}
